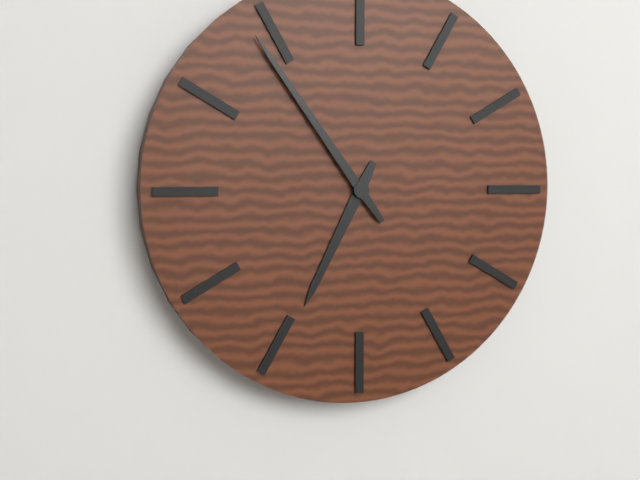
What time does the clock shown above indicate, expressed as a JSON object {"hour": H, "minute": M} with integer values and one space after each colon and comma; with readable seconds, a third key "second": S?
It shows {"hour": 6, "minute": 54}
